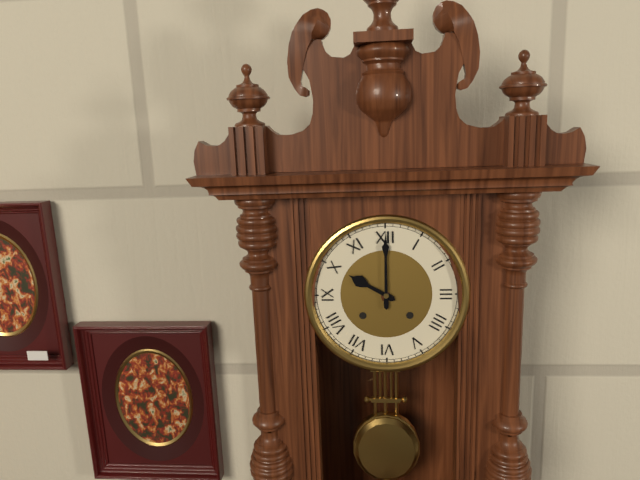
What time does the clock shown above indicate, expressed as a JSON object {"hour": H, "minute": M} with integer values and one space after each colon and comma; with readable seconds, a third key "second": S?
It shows {"hour": 10, "minute": 0}
